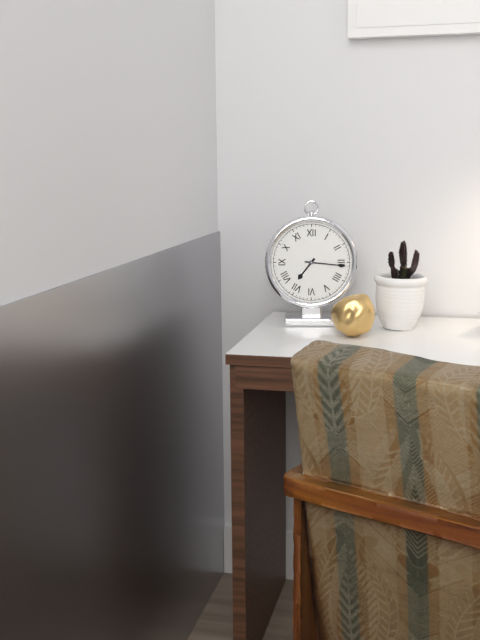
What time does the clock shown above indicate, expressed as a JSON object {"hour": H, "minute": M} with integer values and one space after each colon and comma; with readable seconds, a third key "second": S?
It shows {"hour": 7, "minute": 16}
